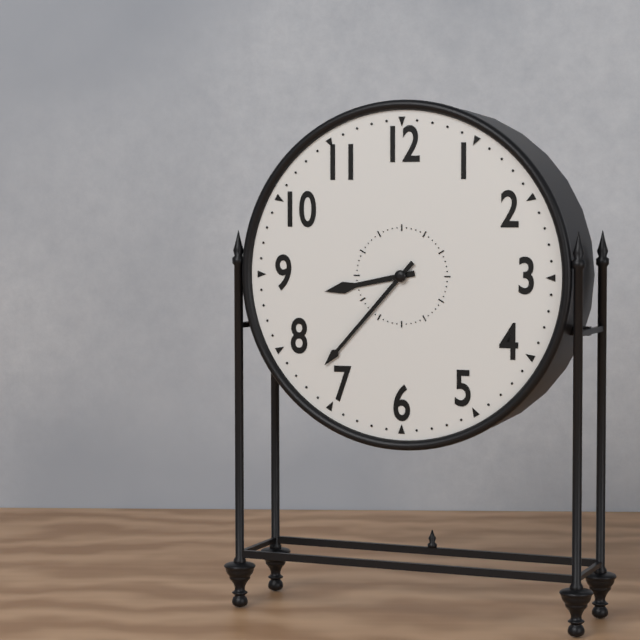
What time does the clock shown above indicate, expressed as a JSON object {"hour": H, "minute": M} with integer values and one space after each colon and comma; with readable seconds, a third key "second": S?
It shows {"hour": 8, "minute": 37}
